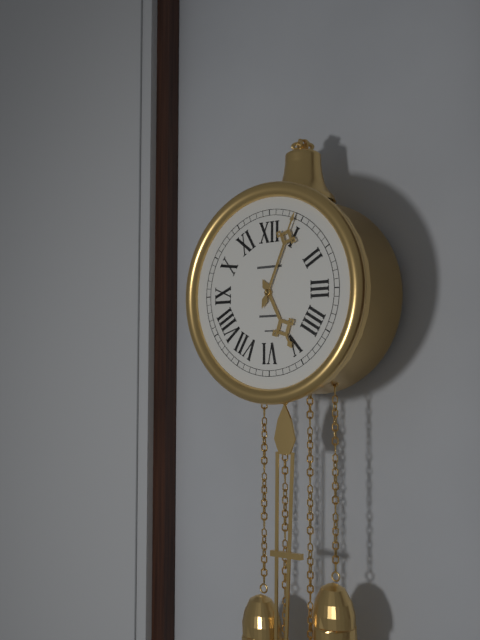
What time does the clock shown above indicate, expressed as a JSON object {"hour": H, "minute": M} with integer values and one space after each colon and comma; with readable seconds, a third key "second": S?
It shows {"hour": 5, "minute": 4}
